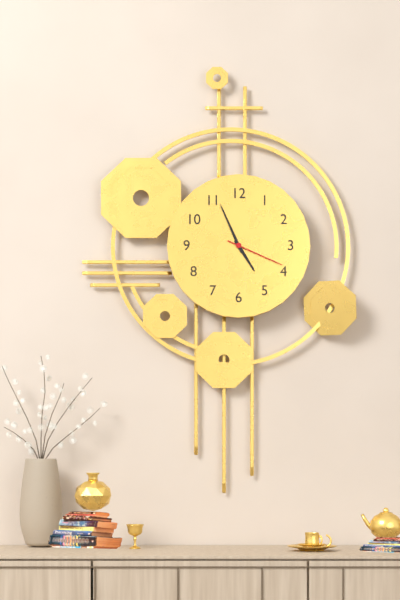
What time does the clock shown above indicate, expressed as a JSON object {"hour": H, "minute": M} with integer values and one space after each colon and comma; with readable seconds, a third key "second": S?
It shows {"hour": 4, "minute": 56, "second": 19}
